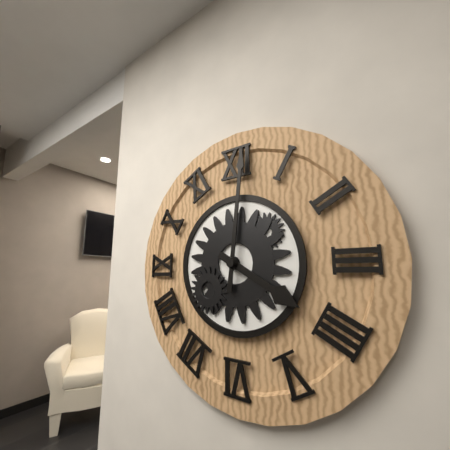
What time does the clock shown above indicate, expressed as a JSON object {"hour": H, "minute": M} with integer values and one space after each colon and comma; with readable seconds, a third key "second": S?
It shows {"hour": 4, "minute": 1}
